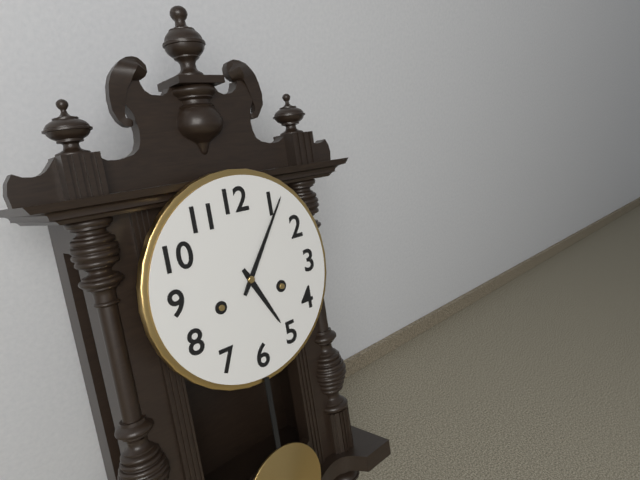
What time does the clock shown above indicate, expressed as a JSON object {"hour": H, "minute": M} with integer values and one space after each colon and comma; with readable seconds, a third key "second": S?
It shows {"hour": 5, "minute": 6}
